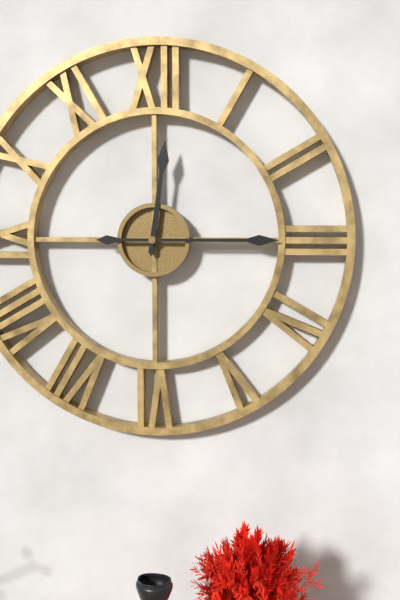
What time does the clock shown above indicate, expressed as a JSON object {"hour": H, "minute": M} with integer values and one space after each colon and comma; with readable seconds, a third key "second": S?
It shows {"hour": 12, "minute": 15}
